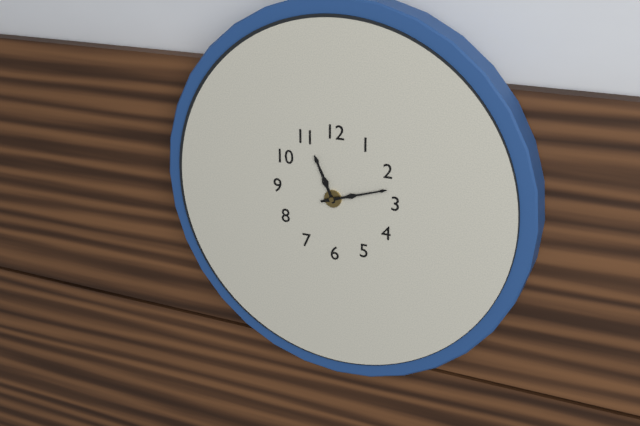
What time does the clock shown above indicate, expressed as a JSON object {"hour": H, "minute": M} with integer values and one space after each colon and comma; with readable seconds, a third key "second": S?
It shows {"hour": 11, "minute": 12}
